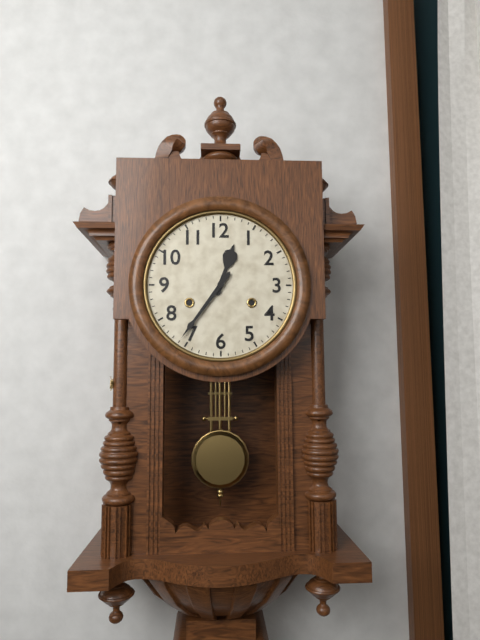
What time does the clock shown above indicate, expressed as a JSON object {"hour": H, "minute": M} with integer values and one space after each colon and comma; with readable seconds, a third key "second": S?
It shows {"hour": 12, "minute": 36}
